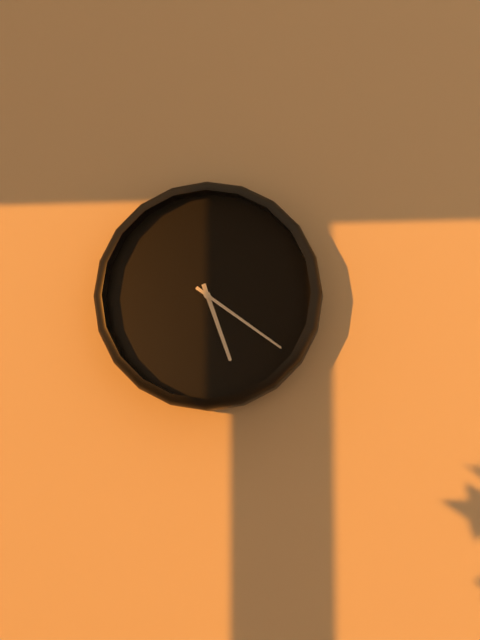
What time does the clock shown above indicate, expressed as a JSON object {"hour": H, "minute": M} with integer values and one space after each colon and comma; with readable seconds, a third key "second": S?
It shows {"hour": 5, "minute": 21}
